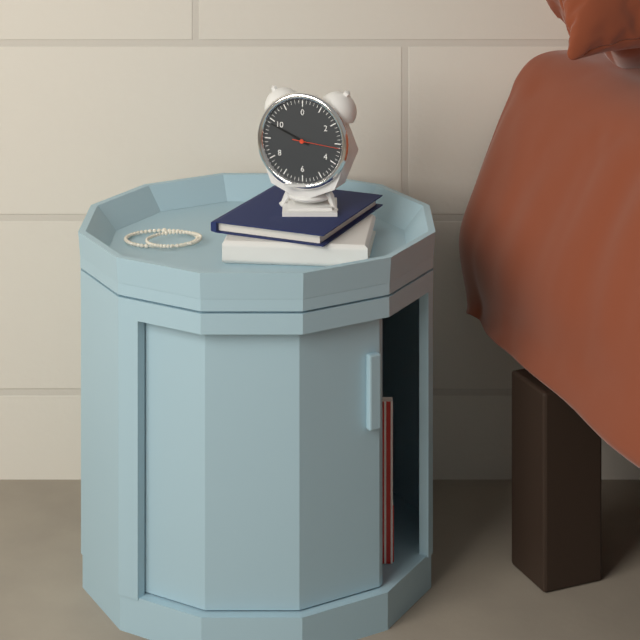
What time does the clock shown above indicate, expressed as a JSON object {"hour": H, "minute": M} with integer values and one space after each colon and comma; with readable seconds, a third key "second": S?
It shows {"hour": 9, "minute": 49}
